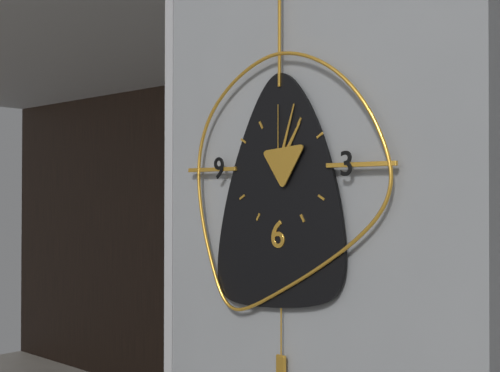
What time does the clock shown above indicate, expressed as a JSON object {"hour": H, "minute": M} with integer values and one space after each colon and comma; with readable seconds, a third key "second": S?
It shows {"hour": 1, "minute": 3, "second": 0}
